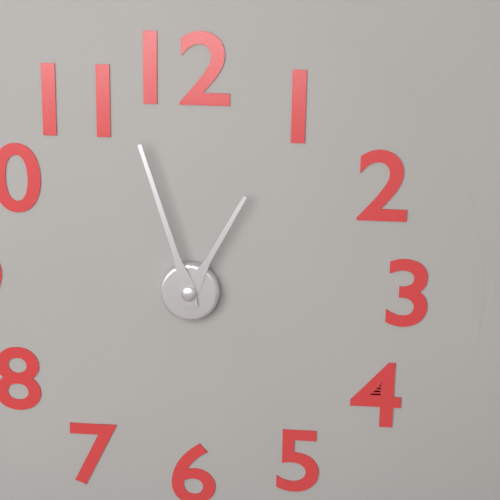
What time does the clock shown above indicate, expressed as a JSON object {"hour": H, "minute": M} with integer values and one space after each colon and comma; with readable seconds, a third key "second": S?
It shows {"hour": 12, "minute": 57}
